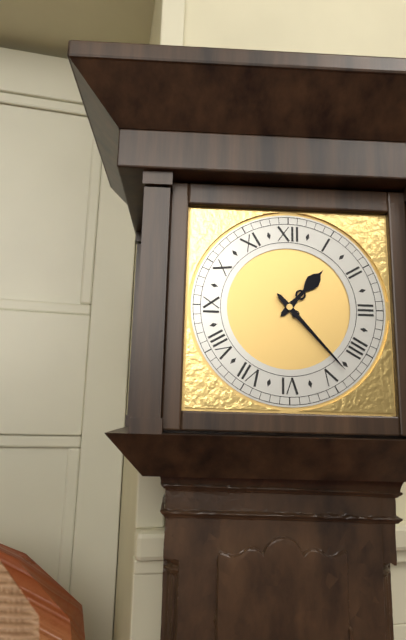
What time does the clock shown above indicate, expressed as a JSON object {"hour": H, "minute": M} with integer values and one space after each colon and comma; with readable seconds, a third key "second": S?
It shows {"hour": 1, "minute": 23}
